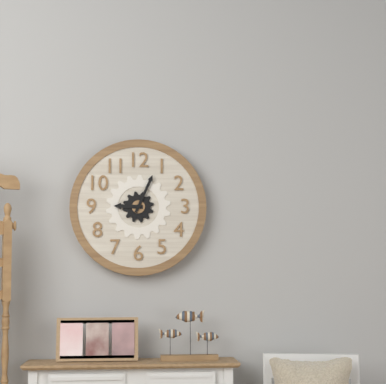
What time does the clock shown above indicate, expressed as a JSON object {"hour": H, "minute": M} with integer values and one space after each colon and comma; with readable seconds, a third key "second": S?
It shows {"hour": 9, "minute": 4}
